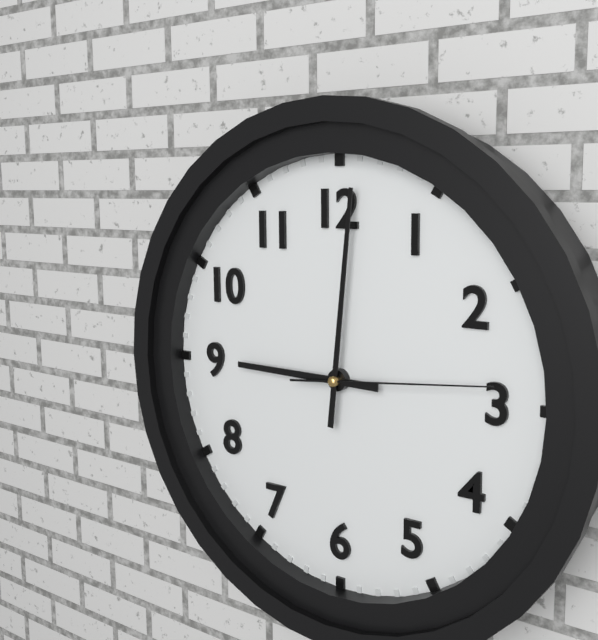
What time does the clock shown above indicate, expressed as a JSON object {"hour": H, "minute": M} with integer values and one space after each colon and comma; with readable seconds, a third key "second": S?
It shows {"hour": 9, "minute": 1, "second": 14}
